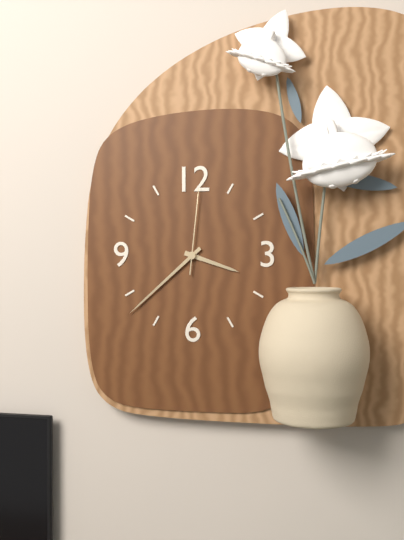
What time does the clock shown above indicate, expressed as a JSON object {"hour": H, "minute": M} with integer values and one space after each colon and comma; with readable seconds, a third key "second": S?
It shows {"hour": 3, "minute": 38, "second": 1}
